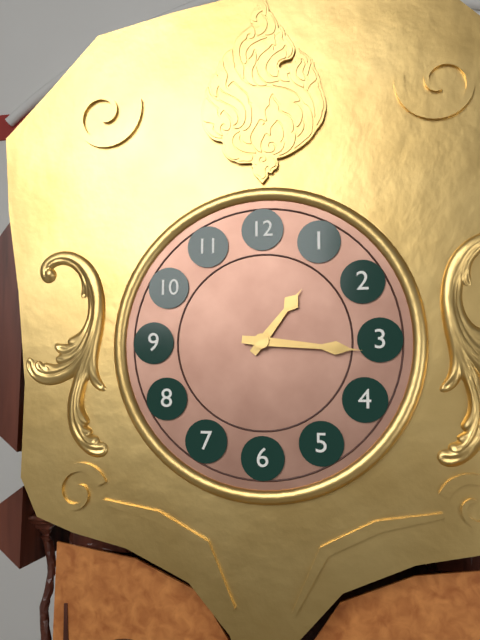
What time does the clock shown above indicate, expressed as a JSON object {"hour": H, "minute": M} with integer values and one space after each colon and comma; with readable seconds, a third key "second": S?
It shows {"hour": 1, "minute": 16}
